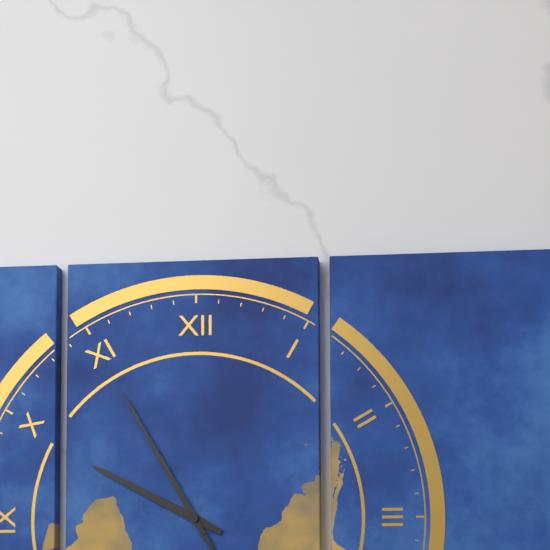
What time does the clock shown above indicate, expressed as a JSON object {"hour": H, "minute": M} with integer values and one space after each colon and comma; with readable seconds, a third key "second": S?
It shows {"hour": 9, "minute": 55}
